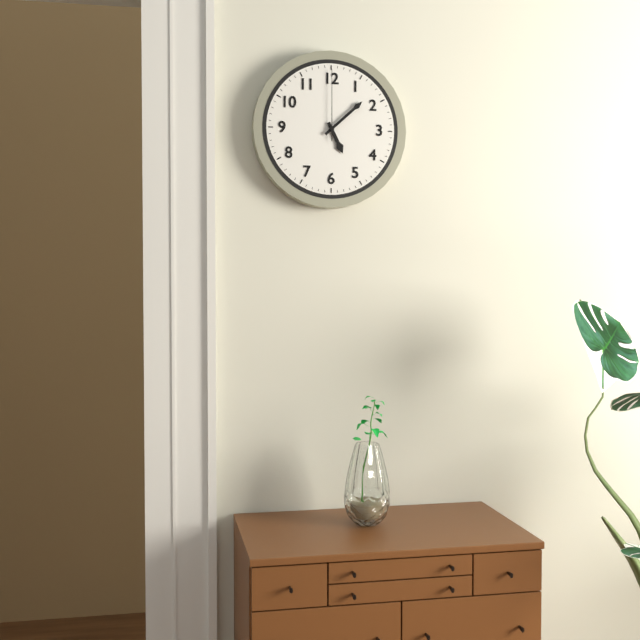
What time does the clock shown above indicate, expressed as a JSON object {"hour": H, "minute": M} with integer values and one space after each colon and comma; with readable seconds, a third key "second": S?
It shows {"hour": 5, "minute": 8, "second": 0}
